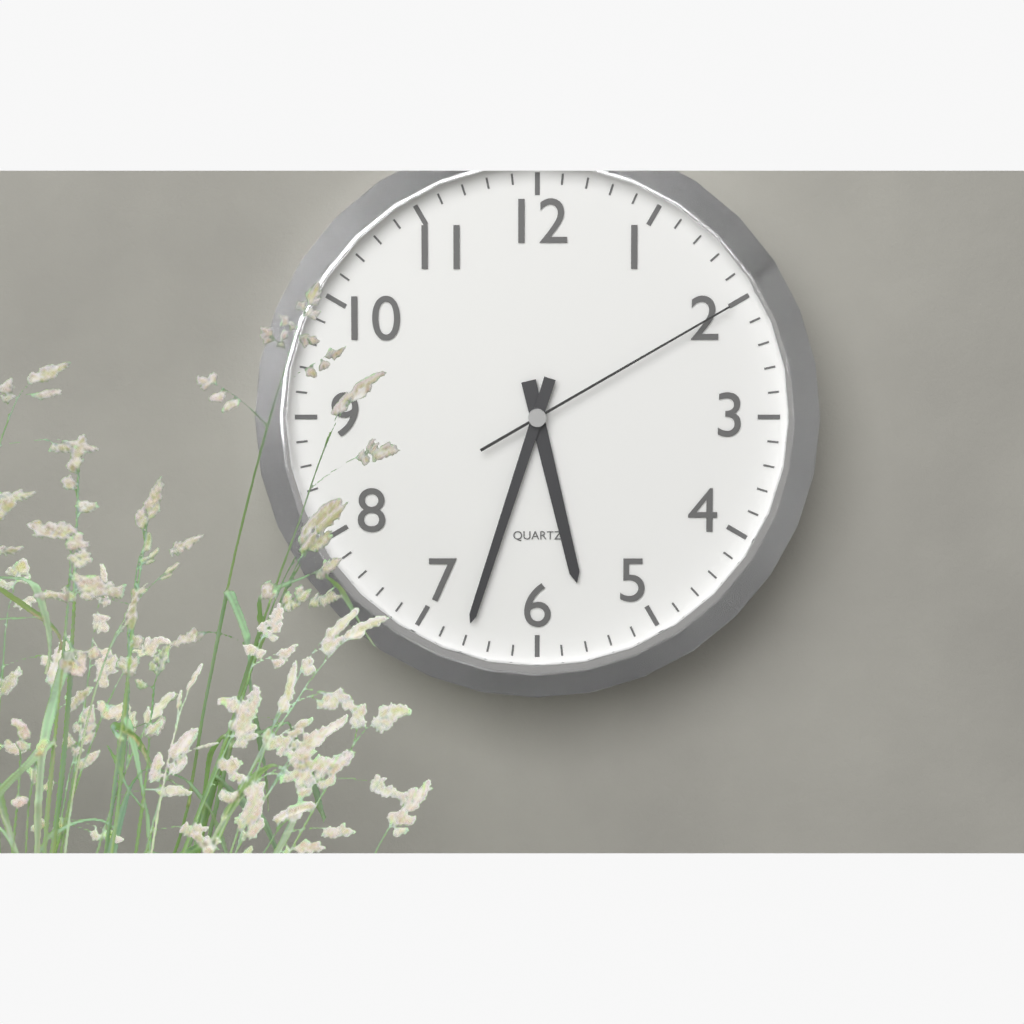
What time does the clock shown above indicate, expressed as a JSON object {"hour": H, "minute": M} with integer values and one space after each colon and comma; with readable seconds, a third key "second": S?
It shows {"hour": 5, "minute": 33, "second": 10}
